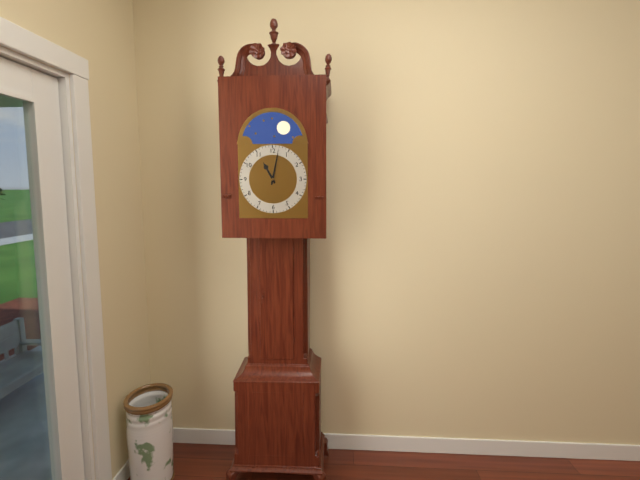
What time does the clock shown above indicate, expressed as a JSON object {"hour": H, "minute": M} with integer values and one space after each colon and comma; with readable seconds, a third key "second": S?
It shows {"hour": 11, "minute": 2}
